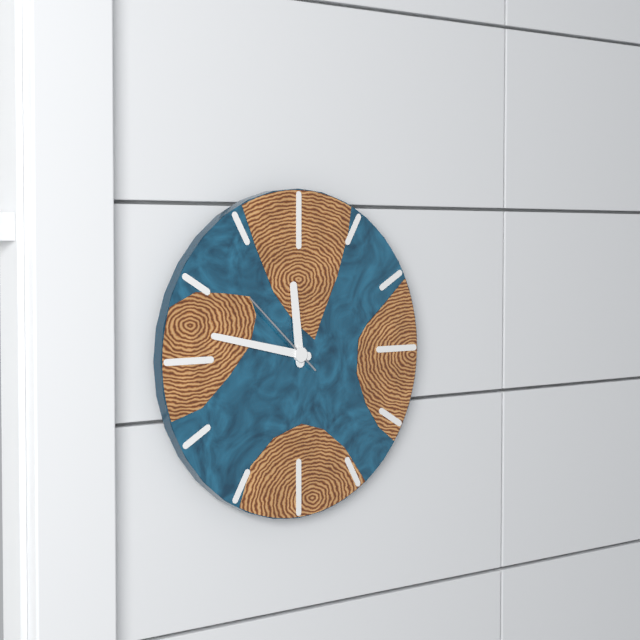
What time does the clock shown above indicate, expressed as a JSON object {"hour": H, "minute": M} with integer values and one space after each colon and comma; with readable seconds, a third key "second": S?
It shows {"hour": 11, "minute": 47, "second": 52}
